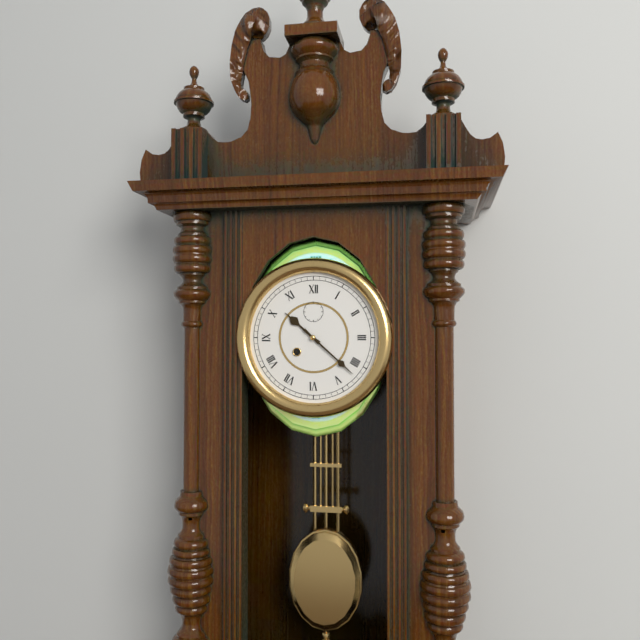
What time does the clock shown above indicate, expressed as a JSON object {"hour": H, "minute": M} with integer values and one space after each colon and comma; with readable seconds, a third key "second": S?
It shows {"hour": 10, "minute": 22}
